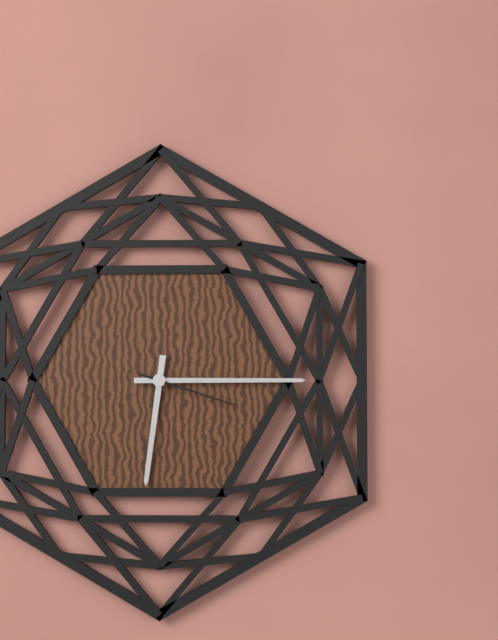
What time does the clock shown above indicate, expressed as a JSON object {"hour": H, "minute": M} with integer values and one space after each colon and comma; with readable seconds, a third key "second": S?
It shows {"hour": 6, "minute": 15, "second": 18}
